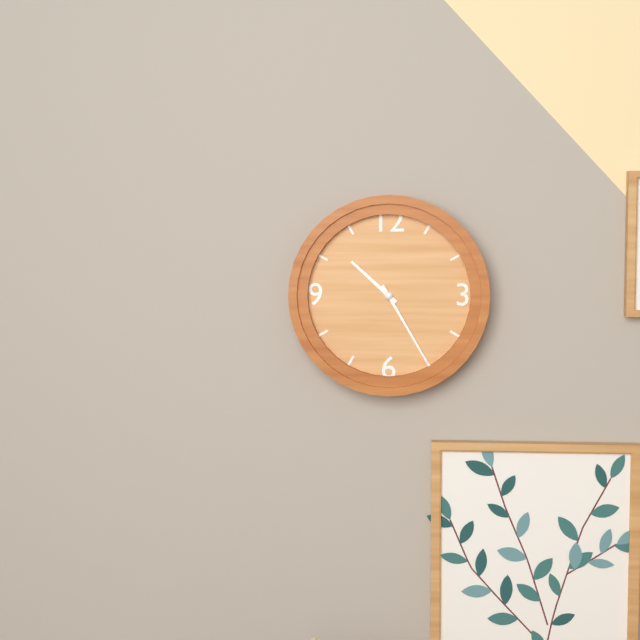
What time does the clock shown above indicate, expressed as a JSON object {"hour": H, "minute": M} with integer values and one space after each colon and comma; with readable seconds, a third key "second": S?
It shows {"hour": 10, "minute": 25}
